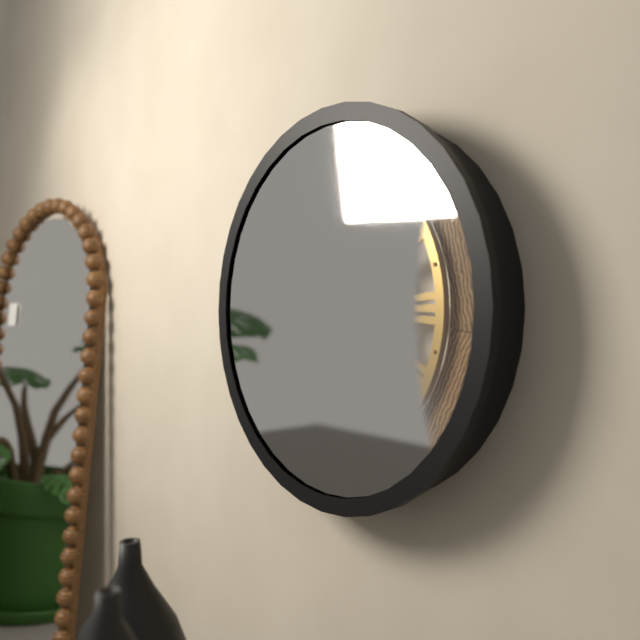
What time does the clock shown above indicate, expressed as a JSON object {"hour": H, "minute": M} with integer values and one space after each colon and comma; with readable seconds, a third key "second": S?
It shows {"hour": 1, "minute": 35}
